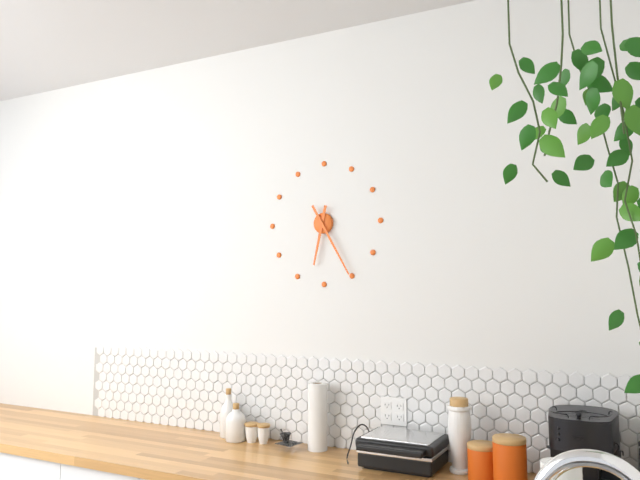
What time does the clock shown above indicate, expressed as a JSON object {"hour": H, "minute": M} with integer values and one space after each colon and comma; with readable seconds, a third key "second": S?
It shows {"hour": 6, "minute": 25}
